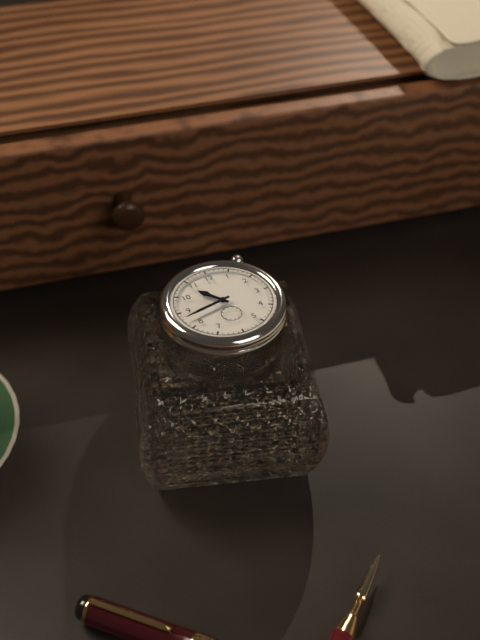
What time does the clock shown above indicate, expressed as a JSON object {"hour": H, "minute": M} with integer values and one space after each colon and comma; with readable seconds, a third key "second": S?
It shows {"hour": 10, "minute": 43}
